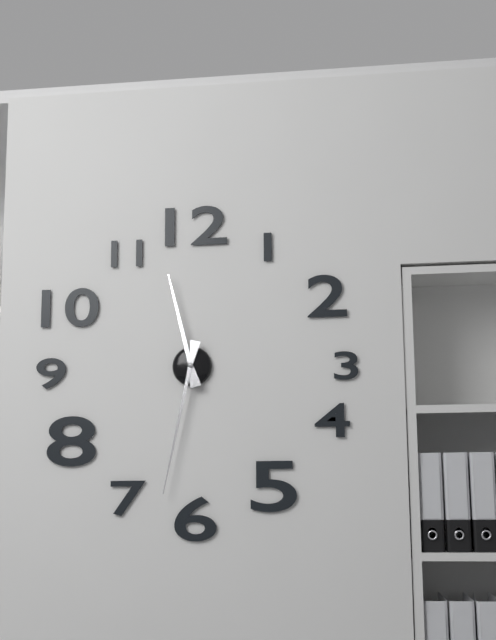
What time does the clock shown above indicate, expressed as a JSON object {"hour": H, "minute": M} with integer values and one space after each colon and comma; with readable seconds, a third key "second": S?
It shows {"hour": 11, "minute": 32}
